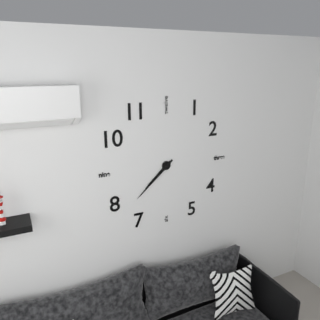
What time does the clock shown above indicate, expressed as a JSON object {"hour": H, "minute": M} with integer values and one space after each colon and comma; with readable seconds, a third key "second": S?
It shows {"hour": 7, "minute": 38}
